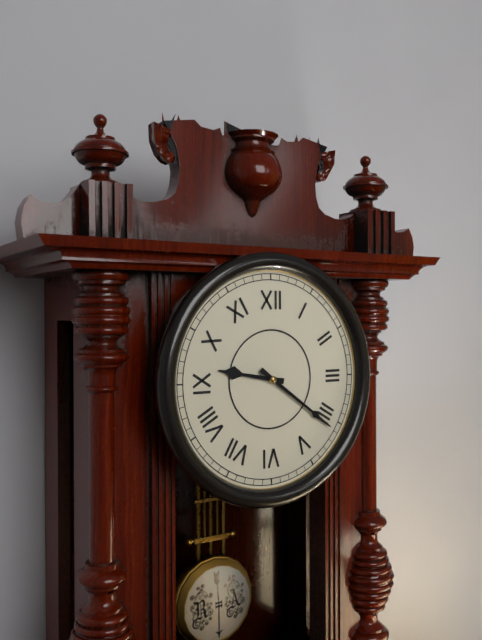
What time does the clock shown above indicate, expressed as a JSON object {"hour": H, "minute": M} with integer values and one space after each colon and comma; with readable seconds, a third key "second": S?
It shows {"hour": 9, "minute": 21}
